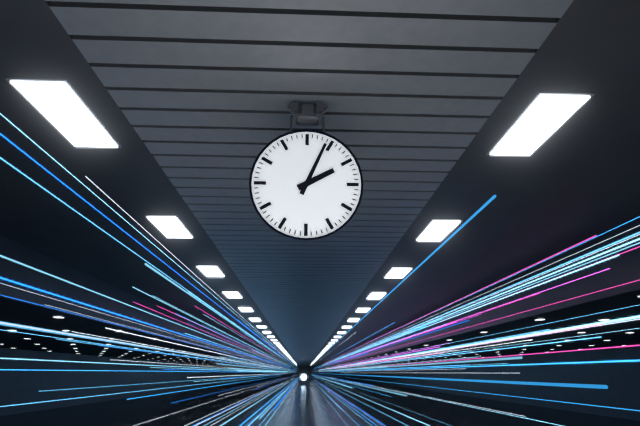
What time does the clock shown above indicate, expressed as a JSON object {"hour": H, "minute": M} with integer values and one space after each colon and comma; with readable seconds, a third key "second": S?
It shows {"hour": 2, "minute": 4}
